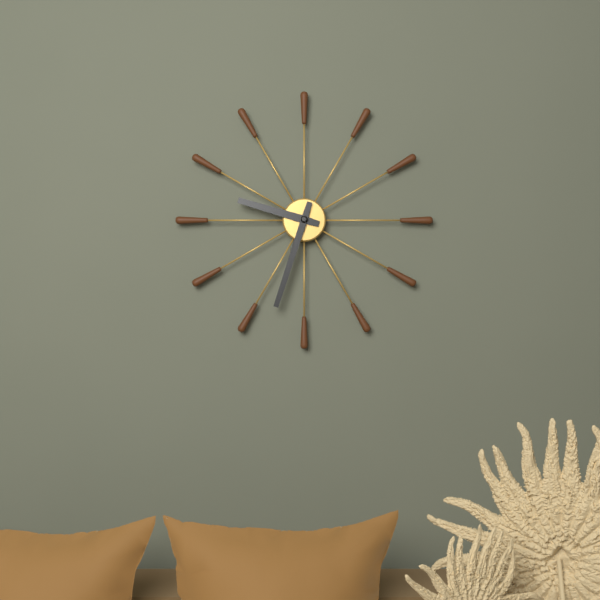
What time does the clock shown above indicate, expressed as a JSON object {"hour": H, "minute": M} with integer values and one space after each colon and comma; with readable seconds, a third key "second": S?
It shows {"hour": 9, "minute": 33}
